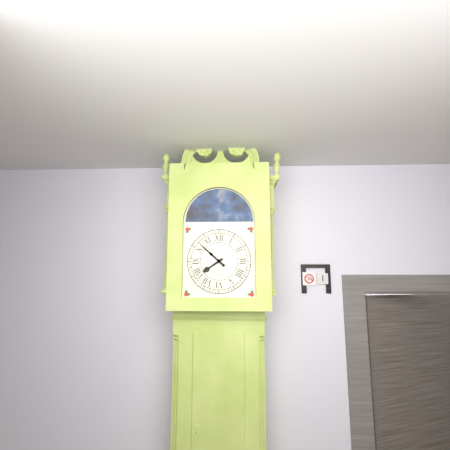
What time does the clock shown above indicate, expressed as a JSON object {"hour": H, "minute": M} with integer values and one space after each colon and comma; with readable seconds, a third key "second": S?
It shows {"hour": 7, "minute": 52}
